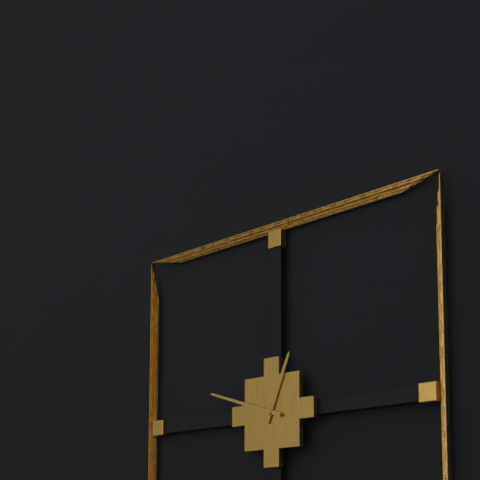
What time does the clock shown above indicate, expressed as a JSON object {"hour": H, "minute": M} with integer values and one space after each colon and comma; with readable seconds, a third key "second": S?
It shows {"hour": 12, "minute": 48}
